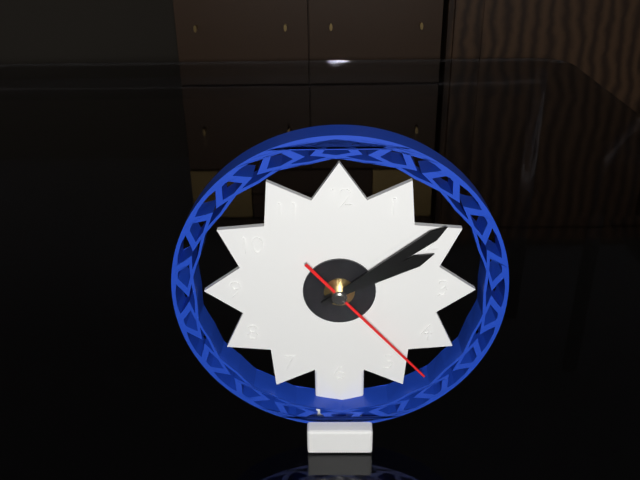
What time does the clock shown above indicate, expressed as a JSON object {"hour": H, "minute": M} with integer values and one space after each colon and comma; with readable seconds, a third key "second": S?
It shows {"hour": 2, "minute": 9, "second": 23}
